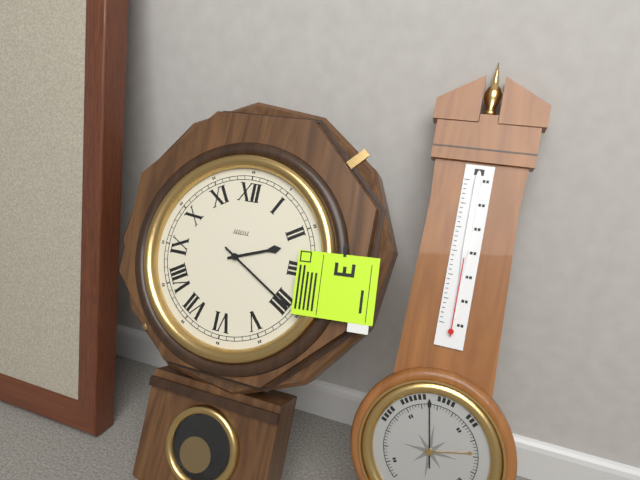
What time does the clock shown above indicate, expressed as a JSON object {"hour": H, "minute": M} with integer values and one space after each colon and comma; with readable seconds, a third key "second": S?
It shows {"hour": 2, "minute": 20}
